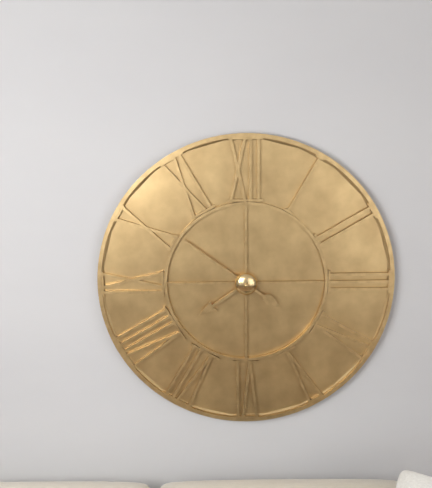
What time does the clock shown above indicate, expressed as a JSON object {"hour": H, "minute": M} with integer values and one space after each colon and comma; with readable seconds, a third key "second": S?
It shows {"hour": 7, "minute": 51}
